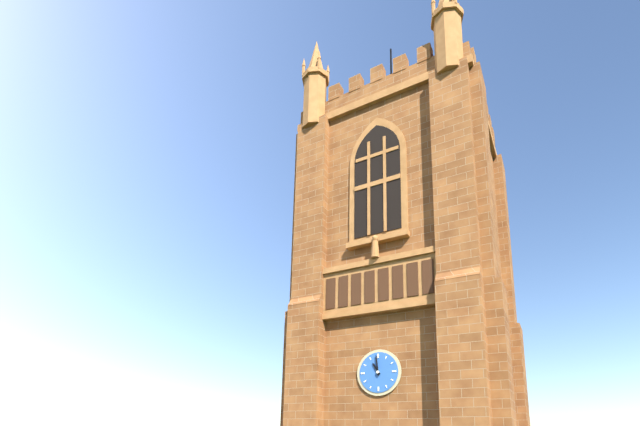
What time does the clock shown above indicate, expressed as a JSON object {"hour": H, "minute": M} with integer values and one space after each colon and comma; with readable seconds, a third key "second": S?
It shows {"hour": 10, "minute": 59}
